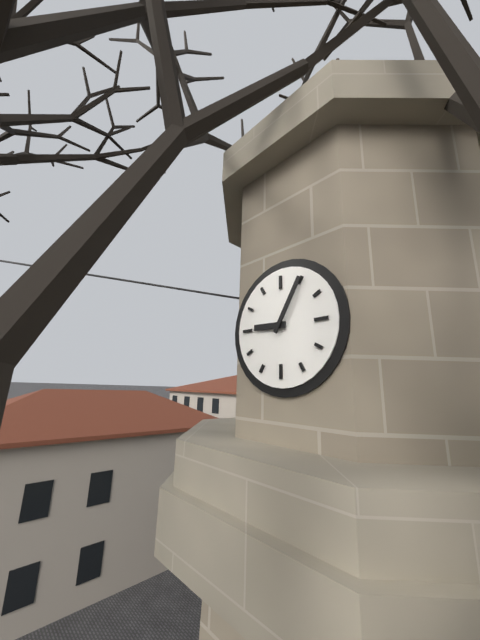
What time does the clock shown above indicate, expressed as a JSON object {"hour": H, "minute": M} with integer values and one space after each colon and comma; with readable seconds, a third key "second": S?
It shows {"hour": 9, "minute": 5}
